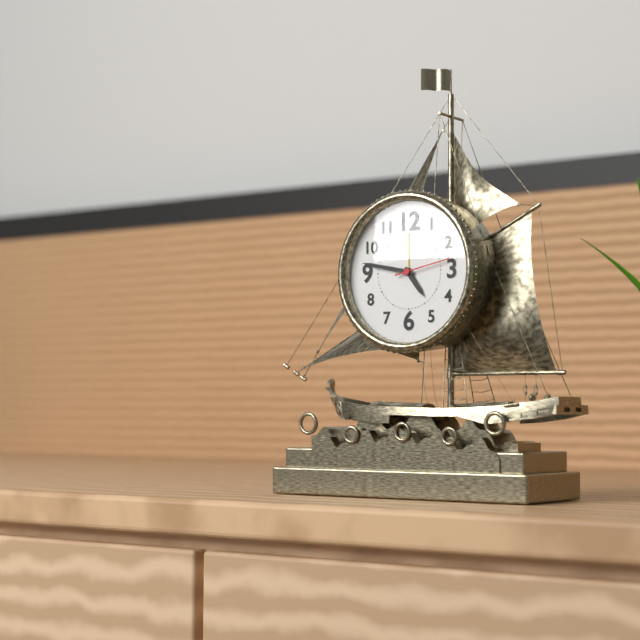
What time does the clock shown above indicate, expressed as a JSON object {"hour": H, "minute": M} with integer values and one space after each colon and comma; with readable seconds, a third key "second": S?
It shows {"hour": 4, "minute": 47, "second": 13}
